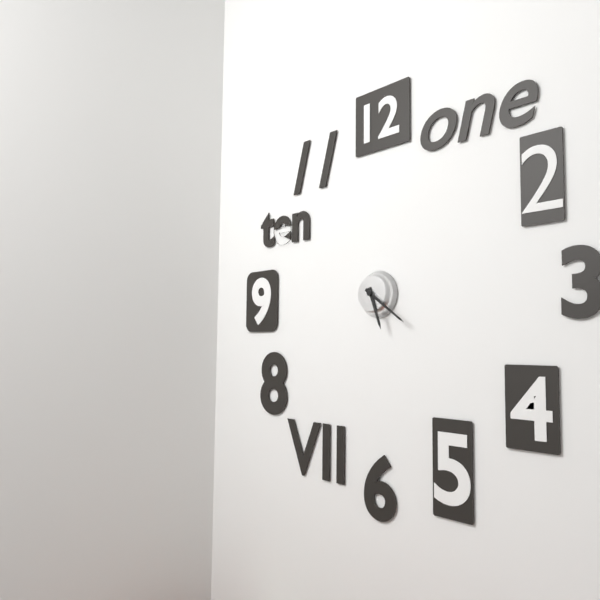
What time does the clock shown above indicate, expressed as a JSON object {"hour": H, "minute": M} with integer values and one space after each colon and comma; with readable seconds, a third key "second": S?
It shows {"hour": 5, "minute": 21}
